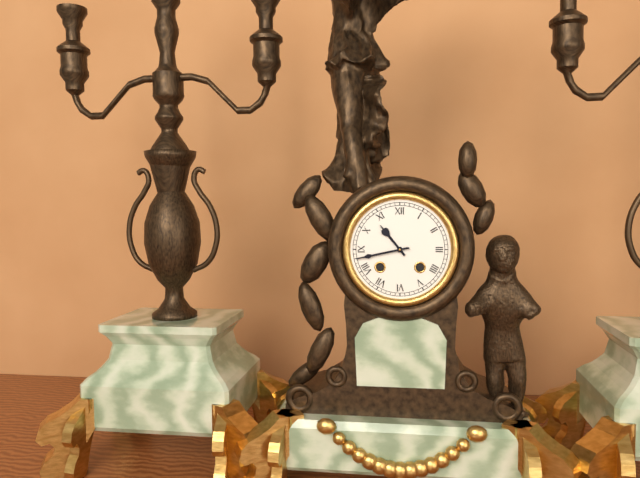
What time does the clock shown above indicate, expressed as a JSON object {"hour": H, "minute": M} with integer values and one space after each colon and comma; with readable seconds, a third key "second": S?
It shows {"hour": 10, "minute": 43}
